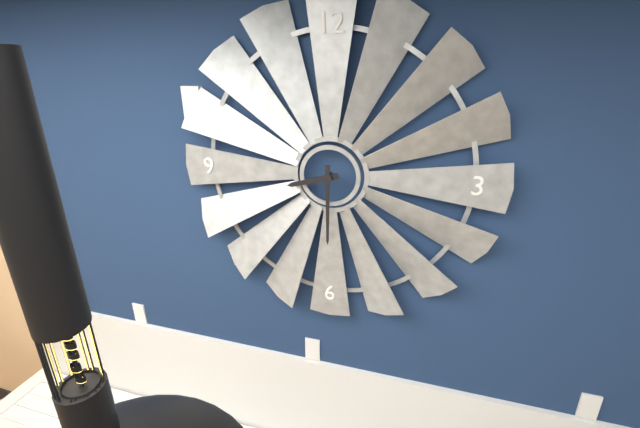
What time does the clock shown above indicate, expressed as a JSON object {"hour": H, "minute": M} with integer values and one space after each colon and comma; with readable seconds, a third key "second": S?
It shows {"hour": 8, "minute": 30}
